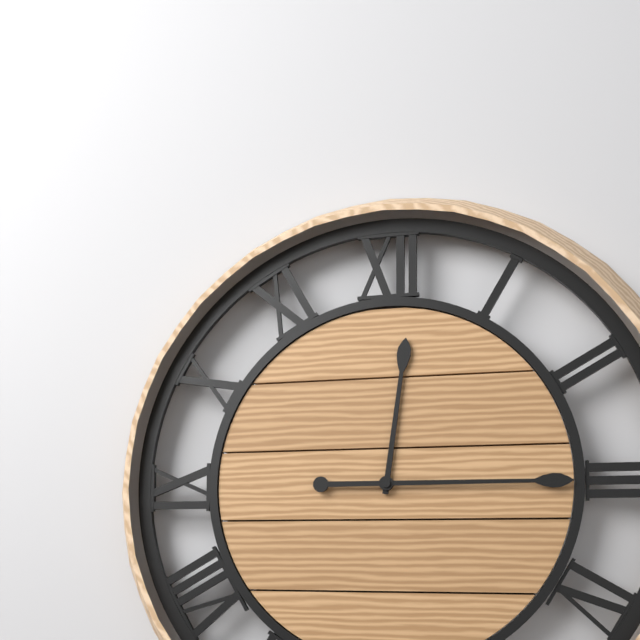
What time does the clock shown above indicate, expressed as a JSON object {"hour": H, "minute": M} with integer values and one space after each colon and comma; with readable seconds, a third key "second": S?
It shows {"hour": 12, "minute": 15}
